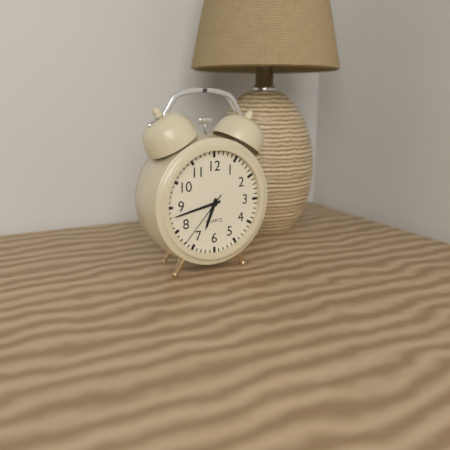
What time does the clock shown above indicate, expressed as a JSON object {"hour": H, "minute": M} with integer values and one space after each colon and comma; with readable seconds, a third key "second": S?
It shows {"hour": 6, "minute": 43, "second": 37}
